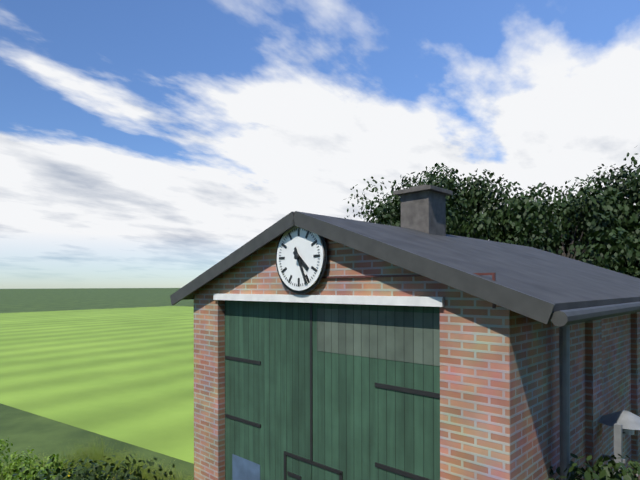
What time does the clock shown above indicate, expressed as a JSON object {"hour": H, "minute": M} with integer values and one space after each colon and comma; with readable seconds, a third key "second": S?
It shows {"hour": 4, "minute": 26}
